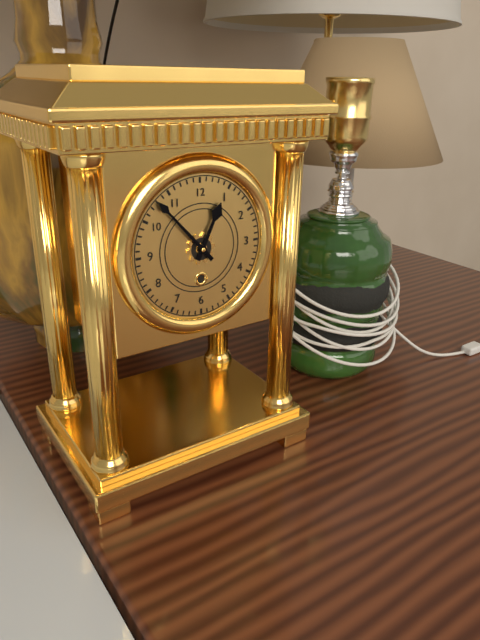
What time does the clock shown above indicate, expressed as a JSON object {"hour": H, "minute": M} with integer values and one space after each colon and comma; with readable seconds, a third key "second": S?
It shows {"hour": 12, "minute": 53}
